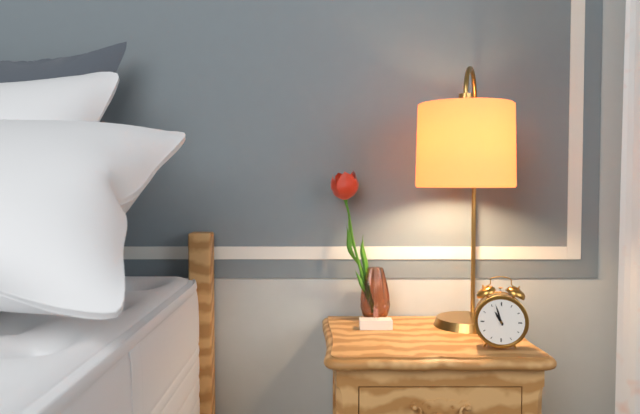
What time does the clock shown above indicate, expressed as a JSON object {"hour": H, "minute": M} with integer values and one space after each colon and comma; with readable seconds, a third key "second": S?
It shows {"hour": 10, "minute": 57}
